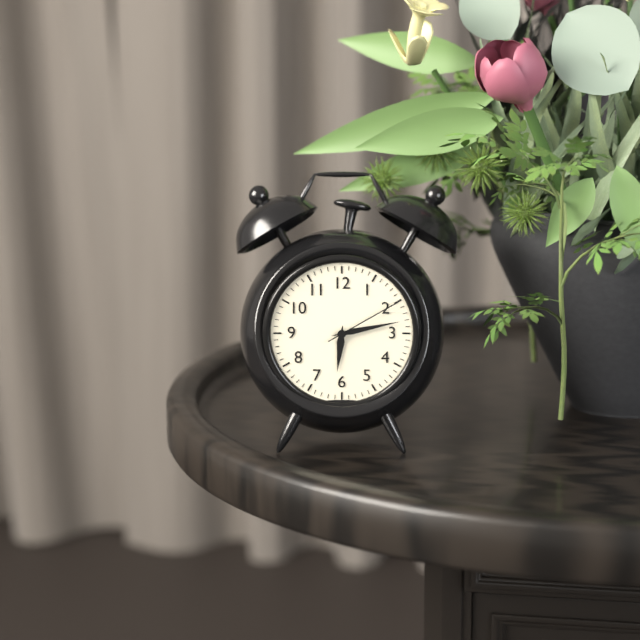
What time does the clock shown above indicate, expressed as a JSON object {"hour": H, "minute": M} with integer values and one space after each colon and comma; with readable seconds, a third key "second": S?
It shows {"hour": 6, "minute": 13, "second": 10}
